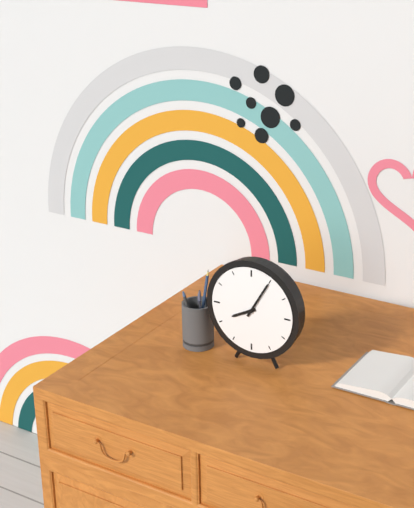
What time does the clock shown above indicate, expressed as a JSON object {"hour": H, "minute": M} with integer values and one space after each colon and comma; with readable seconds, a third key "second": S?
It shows {"hour": 8, "minute": 5}
